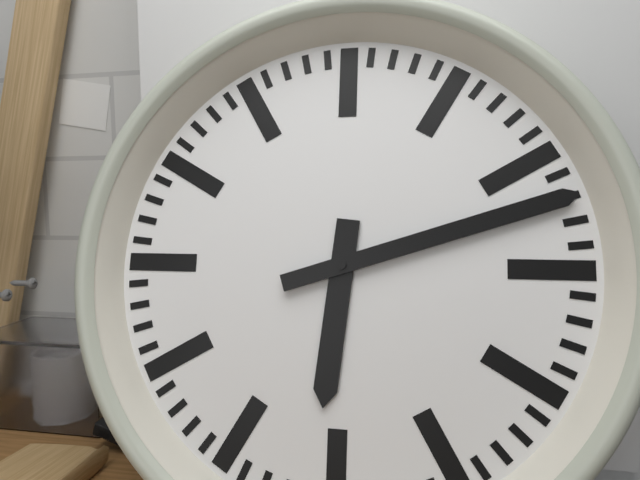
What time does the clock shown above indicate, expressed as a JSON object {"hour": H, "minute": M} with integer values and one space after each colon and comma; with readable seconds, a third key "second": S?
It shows {"hour": 6, "minute": 12}
